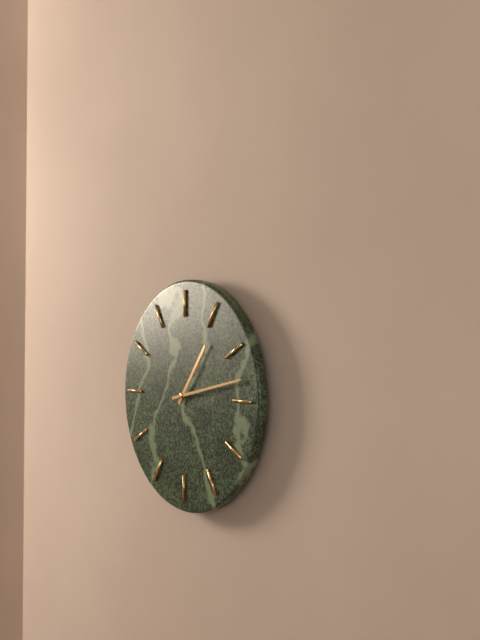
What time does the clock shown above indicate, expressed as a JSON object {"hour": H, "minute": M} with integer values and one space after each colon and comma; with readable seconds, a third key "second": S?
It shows {"hour": 1, "minute": 13}
